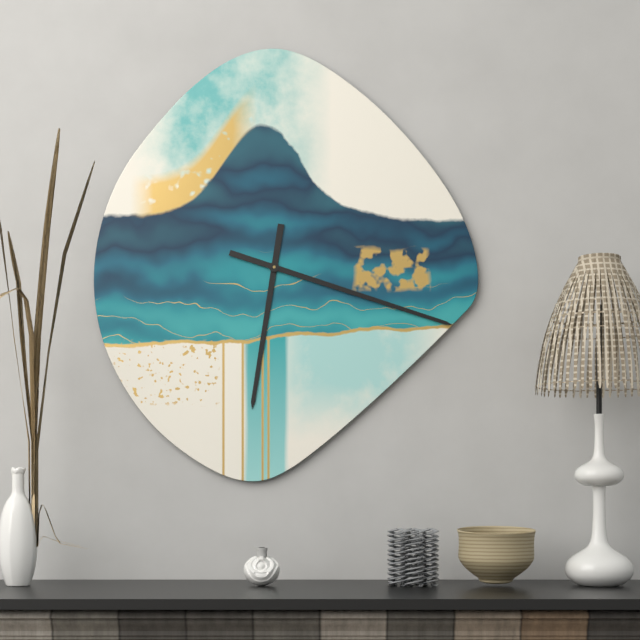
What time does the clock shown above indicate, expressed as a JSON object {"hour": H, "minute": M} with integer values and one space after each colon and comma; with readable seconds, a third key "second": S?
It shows {"hour": 6, "minute": 18}
